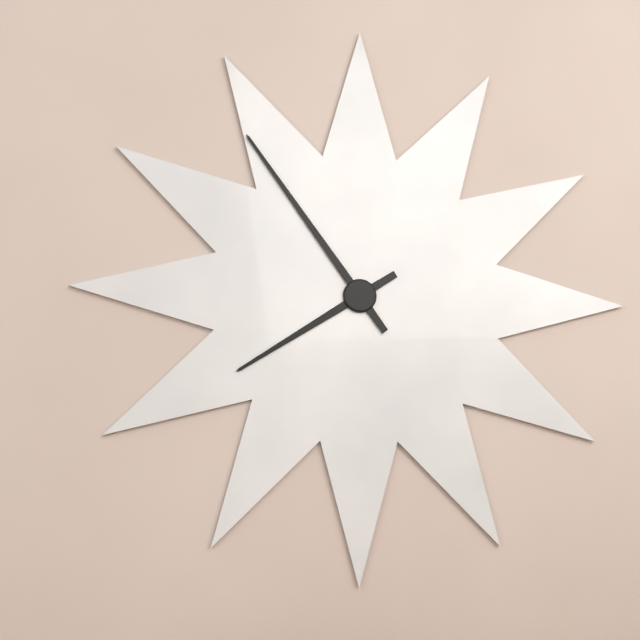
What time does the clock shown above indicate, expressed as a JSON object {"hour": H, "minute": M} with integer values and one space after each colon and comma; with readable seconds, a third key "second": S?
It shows {"hour": 7, "minute": 54}
